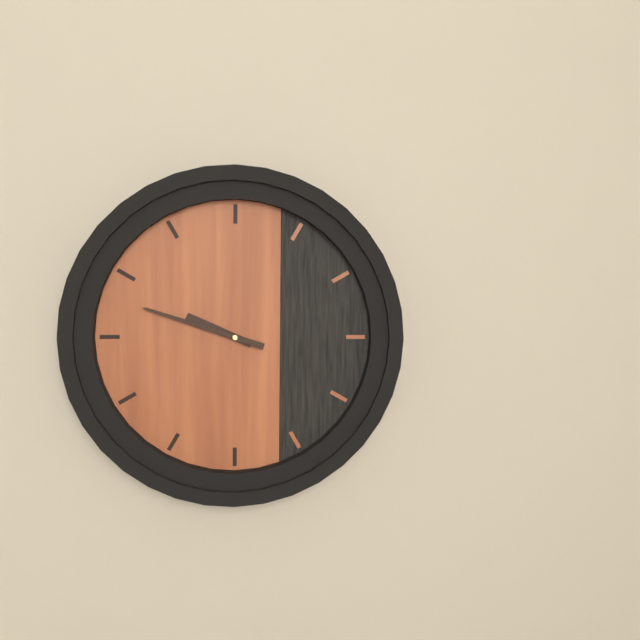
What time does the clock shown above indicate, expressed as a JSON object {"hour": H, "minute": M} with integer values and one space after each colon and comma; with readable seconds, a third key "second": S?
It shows {"hour": 9, "minute": 48}
